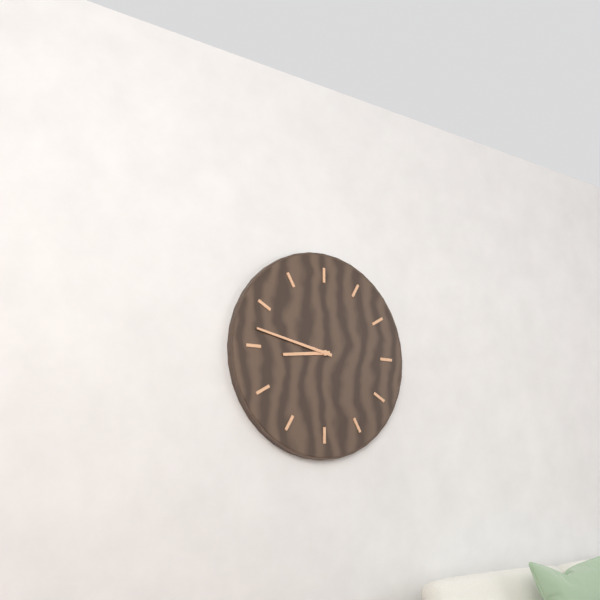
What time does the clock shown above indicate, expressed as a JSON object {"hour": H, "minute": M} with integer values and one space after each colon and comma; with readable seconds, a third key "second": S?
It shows {"hour": 8, "minute": 47}
